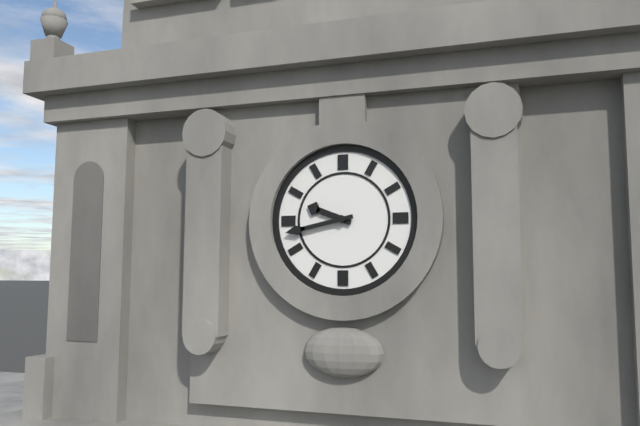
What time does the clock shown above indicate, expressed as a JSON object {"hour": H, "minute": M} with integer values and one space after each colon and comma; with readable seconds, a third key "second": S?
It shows {"hour": 9, "minute": 43}
